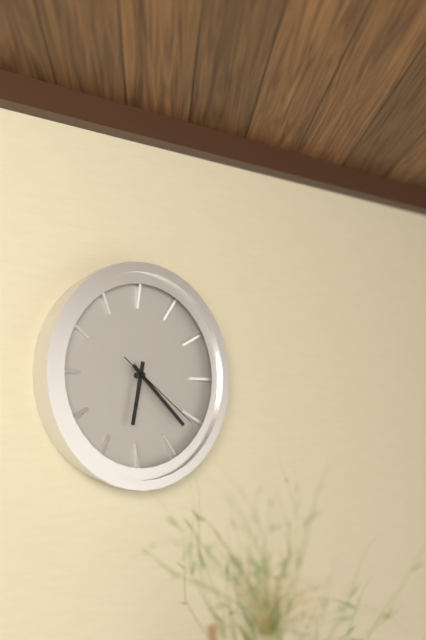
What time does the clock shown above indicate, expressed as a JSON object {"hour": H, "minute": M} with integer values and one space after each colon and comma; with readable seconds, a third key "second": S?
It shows {"hour": 6, "minute": 22, "second": 21}
